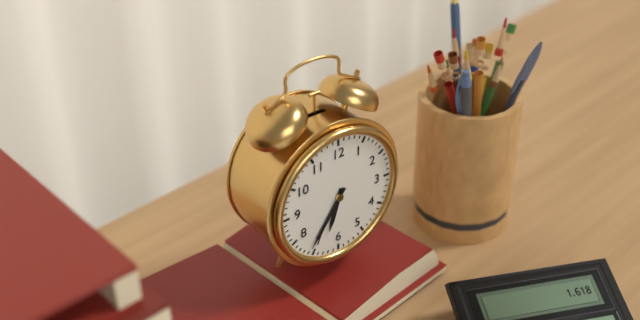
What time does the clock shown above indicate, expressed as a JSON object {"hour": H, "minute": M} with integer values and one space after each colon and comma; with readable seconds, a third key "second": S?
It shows {"hour": 6, "minute": 36}
